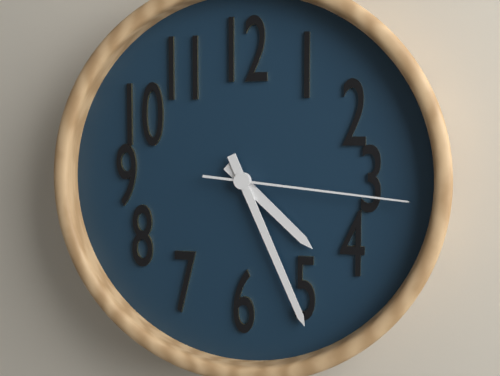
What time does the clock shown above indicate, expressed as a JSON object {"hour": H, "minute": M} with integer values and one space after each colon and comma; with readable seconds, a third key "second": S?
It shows {"hour": 4, "minute": 26, "second": 16}
